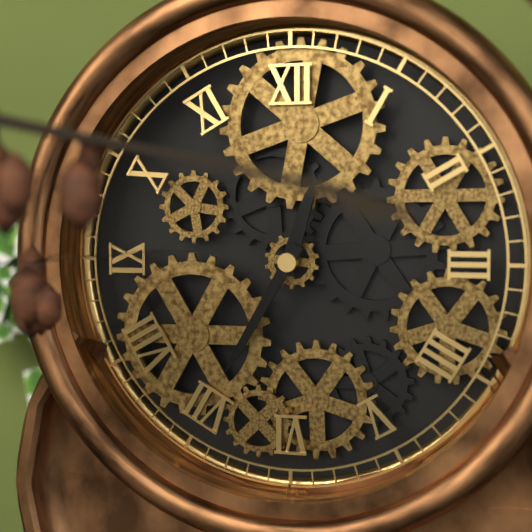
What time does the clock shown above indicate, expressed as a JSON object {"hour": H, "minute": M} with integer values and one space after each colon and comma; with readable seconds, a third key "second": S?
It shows {"hour": 12, "minute": 35}
